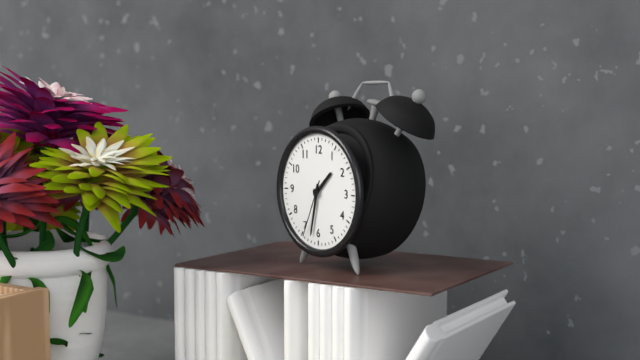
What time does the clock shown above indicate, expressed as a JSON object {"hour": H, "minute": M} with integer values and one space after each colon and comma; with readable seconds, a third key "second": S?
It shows {"hour": 1, "minute": 32, "second": 34}
